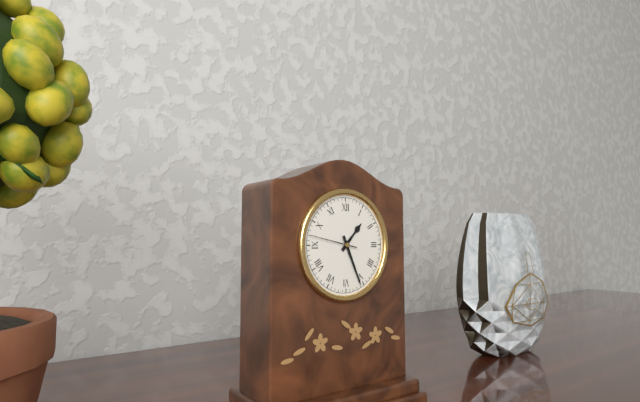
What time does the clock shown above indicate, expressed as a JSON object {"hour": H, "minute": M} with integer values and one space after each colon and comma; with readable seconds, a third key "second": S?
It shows {"hour": 1, "minute": 26}
